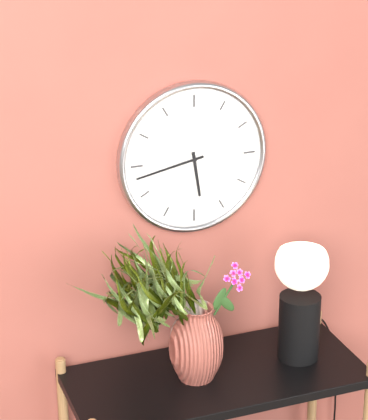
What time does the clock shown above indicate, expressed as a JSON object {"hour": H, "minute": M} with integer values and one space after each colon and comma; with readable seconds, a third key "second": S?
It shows {"hour": 5, "minute": 43}
